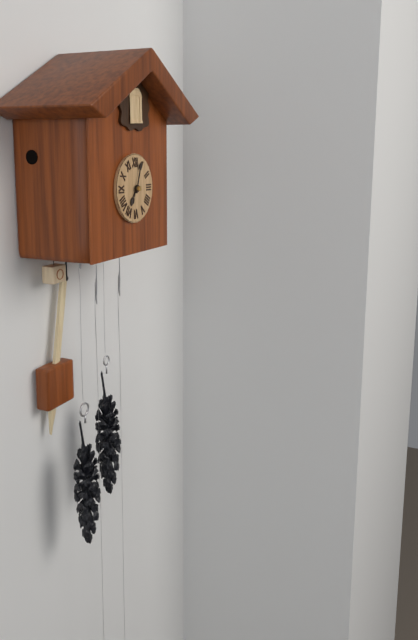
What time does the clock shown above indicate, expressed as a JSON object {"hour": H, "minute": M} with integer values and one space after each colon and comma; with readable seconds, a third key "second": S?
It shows {"hour": 7, "minute": 3}
